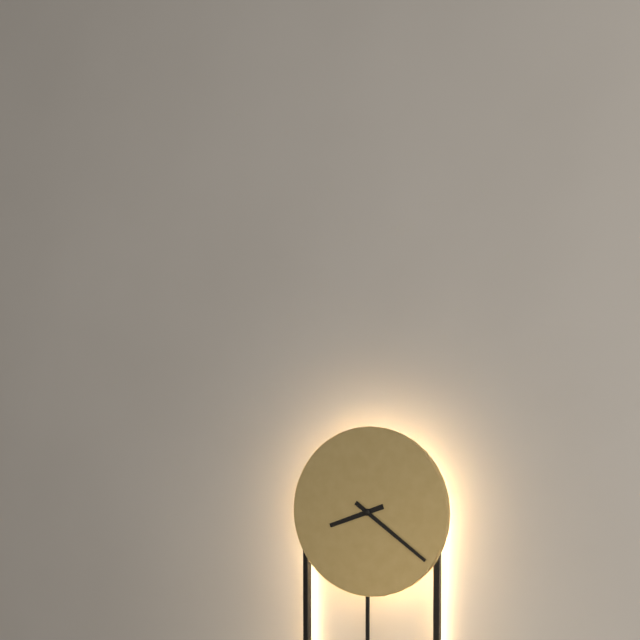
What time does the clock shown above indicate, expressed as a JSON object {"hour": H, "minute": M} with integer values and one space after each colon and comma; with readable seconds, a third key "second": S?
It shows {"hour": 8, "minute": 21}
